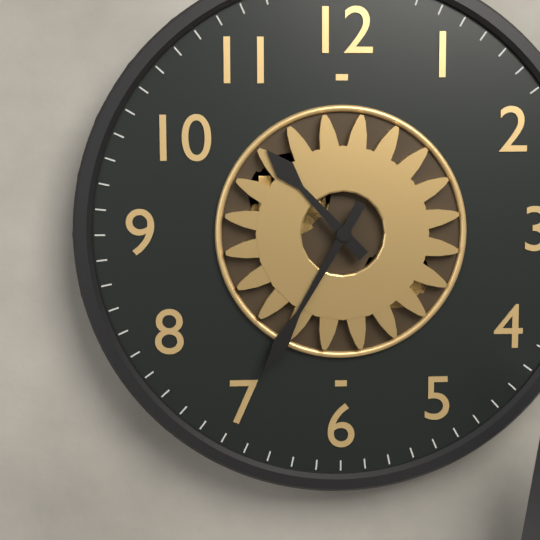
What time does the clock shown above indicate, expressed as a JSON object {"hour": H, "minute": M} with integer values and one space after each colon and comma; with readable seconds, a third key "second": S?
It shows {"hour": 10, "minute": 35}
